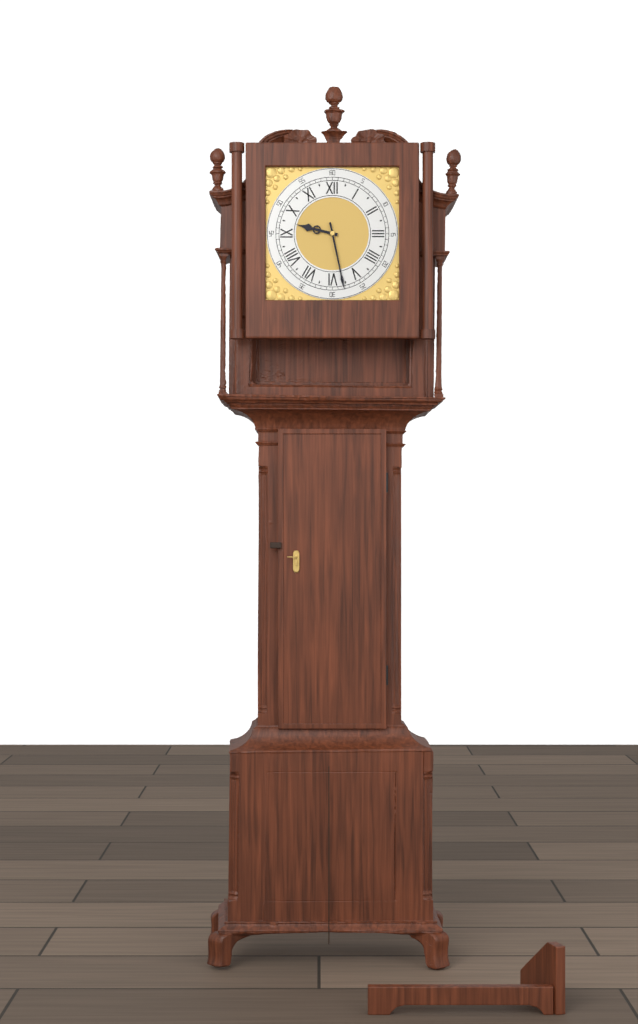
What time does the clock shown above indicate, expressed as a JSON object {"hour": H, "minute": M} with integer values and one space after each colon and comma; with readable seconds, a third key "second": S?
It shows {"hour": 9, "minute": 28}
